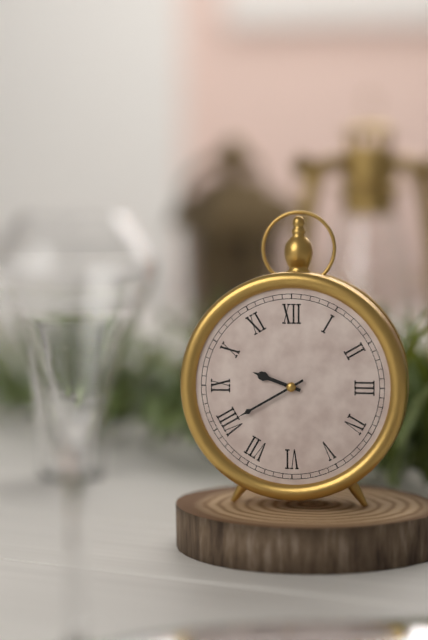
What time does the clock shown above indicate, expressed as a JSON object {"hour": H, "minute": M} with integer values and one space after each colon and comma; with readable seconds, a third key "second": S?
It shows {"hour": 9, "minute": 40}
